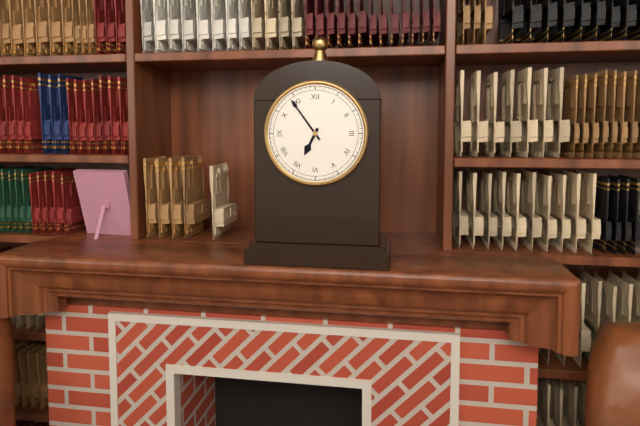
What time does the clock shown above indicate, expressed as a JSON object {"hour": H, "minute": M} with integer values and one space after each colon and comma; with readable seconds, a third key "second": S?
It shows {"hour": 6, "minute": 54}
